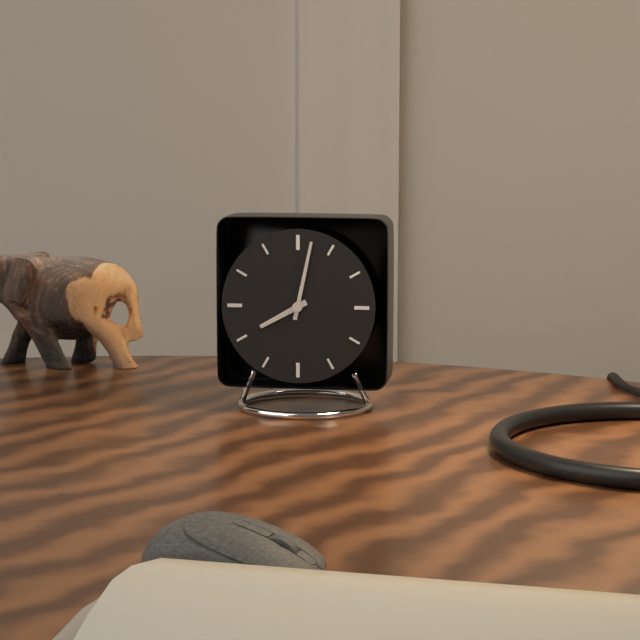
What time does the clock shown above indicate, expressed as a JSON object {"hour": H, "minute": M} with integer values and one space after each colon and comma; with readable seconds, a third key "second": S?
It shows {"hour": 8, "minute": 2}
